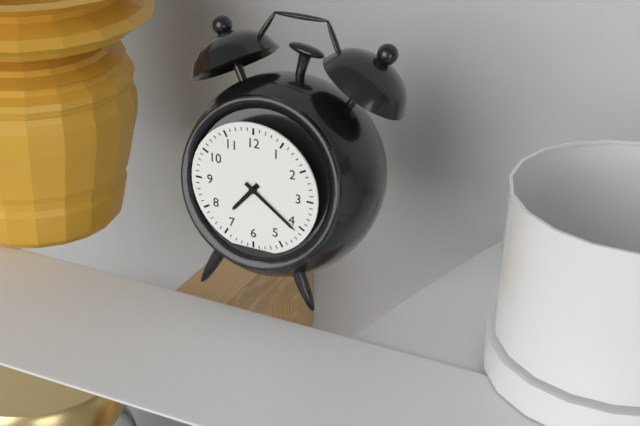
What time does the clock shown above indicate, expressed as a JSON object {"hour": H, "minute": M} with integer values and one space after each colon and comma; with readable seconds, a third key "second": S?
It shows {"hour": 7, "minute": 21}
